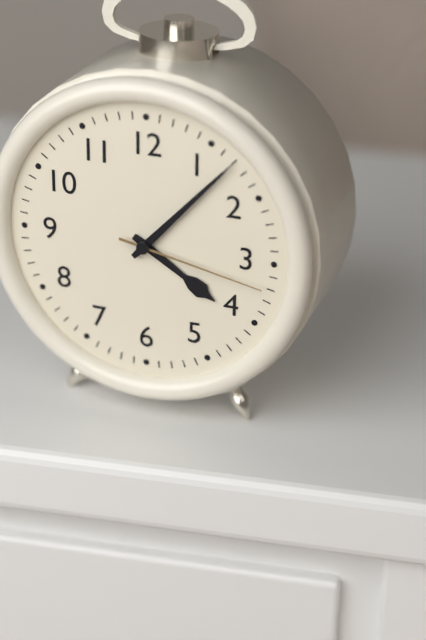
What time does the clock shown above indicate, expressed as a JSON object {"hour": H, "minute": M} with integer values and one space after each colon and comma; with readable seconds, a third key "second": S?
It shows {"hour": 4, "minute": 7, "second": 17}
